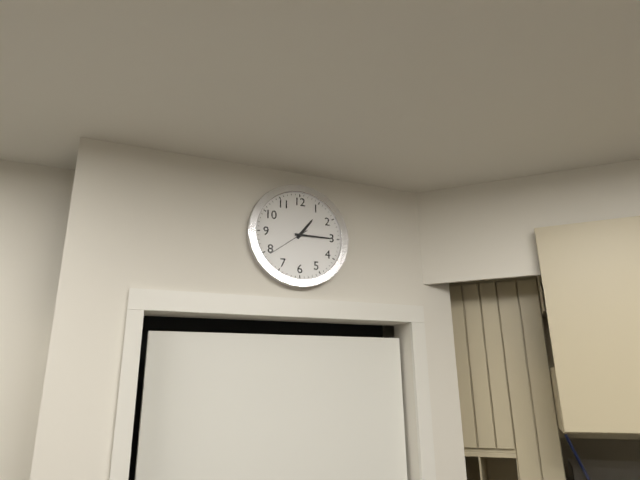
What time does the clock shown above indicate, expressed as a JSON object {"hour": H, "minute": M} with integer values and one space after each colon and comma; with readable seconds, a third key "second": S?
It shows {"hour": 1, "minute": 15}
